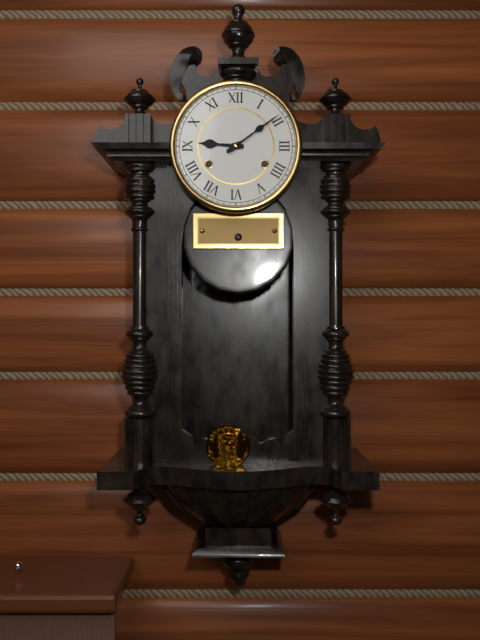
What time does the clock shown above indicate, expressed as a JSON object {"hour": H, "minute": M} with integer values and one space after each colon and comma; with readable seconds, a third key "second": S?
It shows {"hour": 9, "minute": 9}
